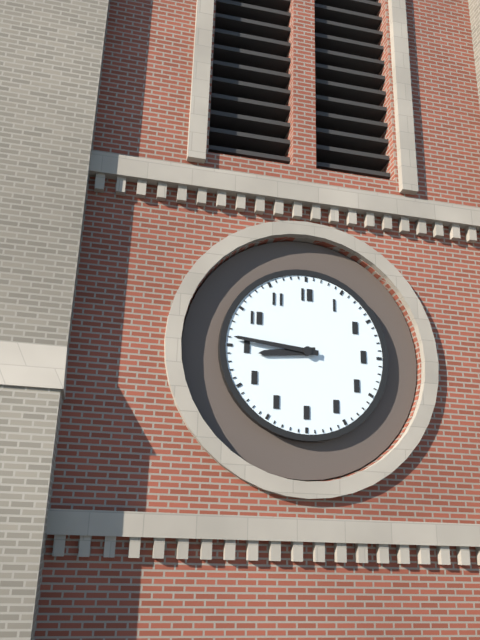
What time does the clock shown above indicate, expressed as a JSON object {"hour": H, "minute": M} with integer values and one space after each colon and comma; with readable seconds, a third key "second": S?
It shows {"hour": 8, "minute": 46}
